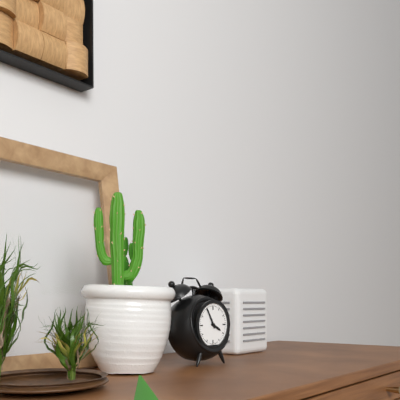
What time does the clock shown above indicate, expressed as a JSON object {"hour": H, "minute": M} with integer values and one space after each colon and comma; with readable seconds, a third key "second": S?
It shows {"hour": 3, "minute": 55}
